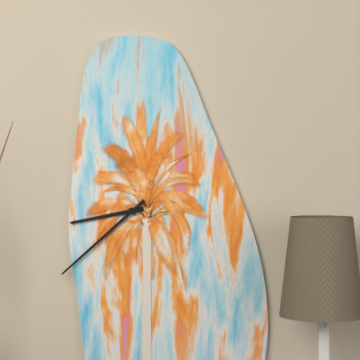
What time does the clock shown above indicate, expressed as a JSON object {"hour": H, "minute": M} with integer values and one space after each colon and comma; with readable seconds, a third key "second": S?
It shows {"hour": 8, "minute": 38}
